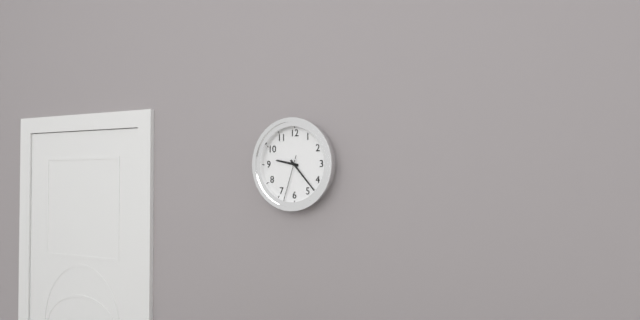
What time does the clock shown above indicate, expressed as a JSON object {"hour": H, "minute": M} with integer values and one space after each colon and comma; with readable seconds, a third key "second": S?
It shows {"hour": 9, "minute": 23}
